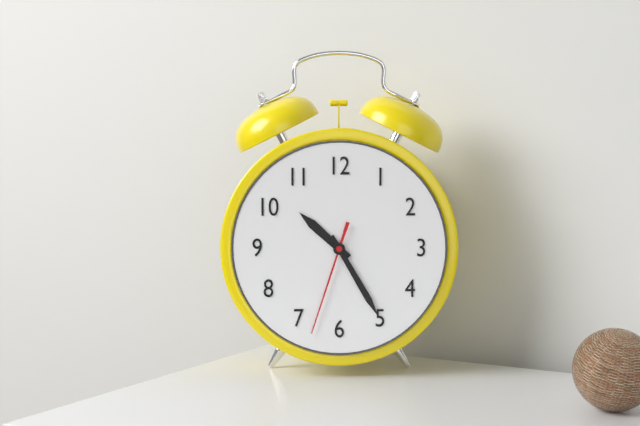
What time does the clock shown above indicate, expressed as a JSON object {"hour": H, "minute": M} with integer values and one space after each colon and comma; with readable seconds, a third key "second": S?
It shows {"hour": 10, "minute": 25, "second": 33}
